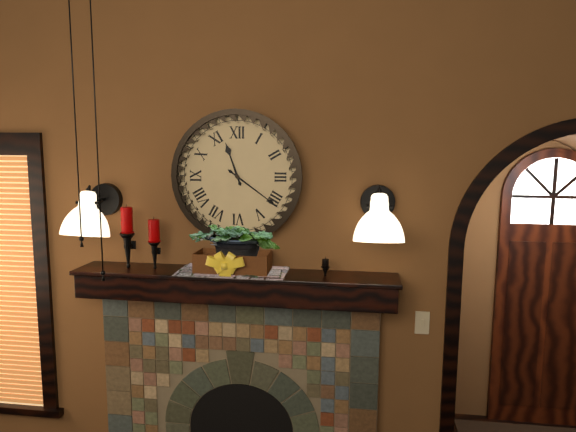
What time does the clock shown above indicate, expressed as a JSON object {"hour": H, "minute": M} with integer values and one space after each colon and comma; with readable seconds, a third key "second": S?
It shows {"hour": 11, "minute": 21}
